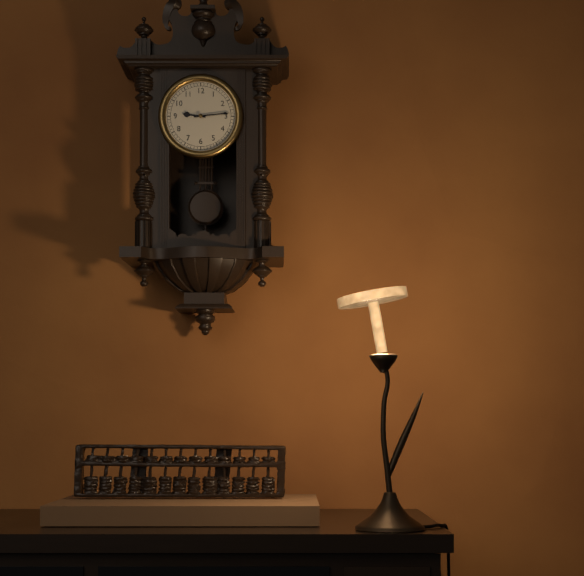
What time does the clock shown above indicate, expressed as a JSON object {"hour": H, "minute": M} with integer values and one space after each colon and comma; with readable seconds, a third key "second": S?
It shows {"hour": 9, "minute": 14}
